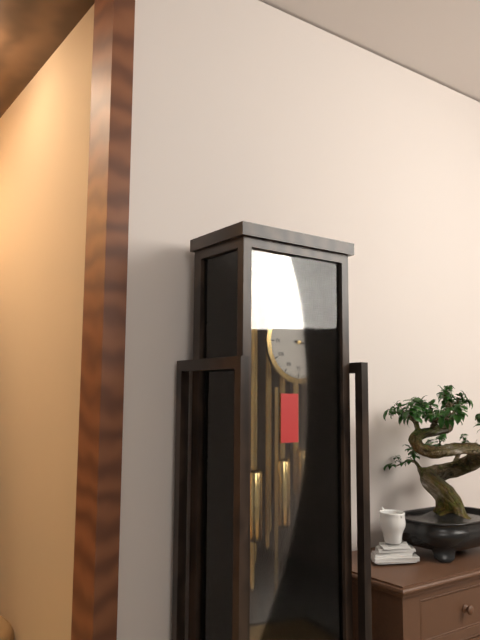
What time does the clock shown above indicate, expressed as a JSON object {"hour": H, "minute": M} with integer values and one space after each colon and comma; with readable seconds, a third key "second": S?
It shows {"hour": 3, "minute": 16}
